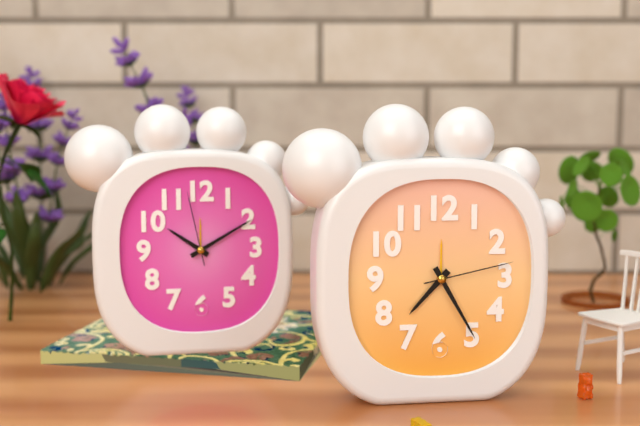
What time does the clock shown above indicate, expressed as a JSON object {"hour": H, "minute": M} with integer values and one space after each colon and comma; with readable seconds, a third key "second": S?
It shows {"hour": 7, "minute": 25, "second": 13}
